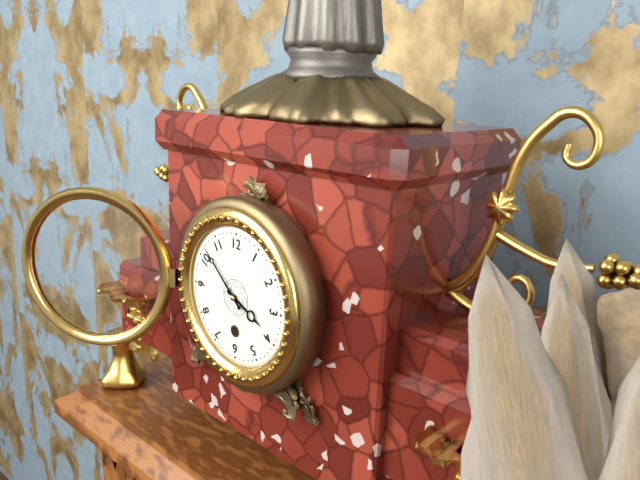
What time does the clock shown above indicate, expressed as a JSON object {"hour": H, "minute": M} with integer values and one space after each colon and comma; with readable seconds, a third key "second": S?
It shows {"hour": 3, "minute": 52}
